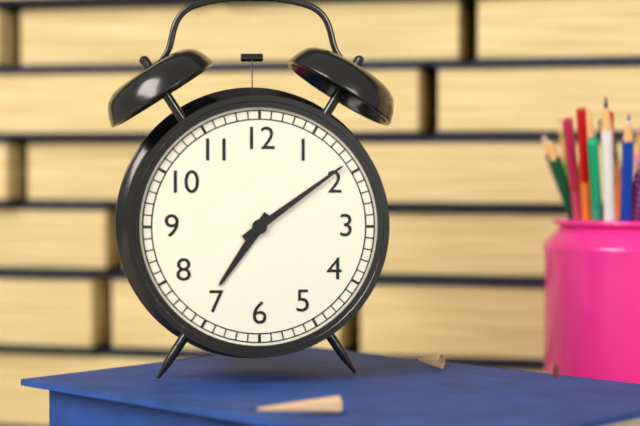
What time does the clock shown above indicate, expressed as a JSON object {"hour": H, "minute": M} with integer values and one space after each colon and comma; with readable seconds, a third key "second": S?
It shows {"hour": 7, "minute": 9}
